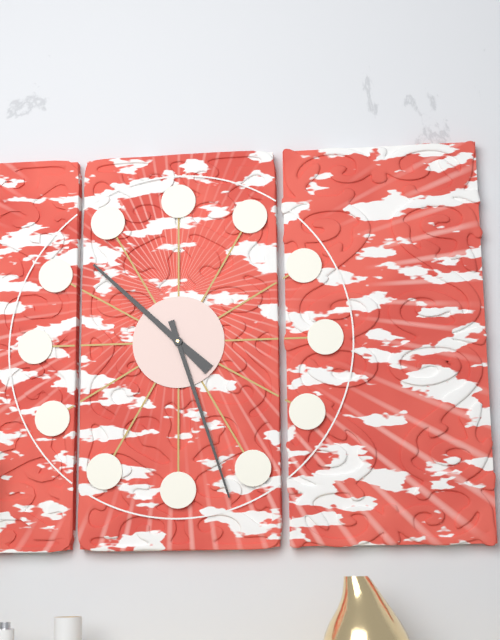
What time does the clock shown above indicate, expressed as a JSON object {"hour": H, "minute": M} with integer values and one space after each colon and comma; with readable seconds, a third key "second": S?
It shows {"hour": 10, "minute": 27}
